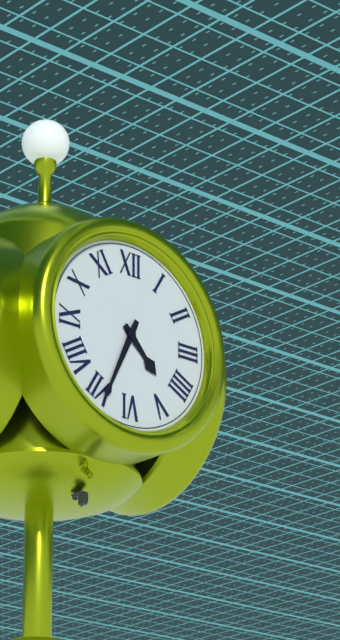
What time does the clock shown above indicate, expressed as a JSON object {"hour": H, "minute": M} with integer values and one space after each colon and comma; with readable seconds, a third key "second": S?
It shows {"hour": 4, "minute": 34}
